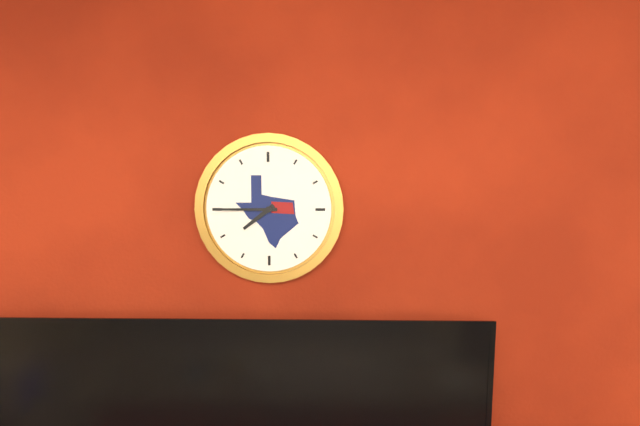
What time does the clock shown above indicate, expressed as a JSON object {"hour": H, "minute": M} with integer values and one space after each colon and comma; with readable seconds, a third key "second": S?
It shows {"hour": 7, "minute": 45}
